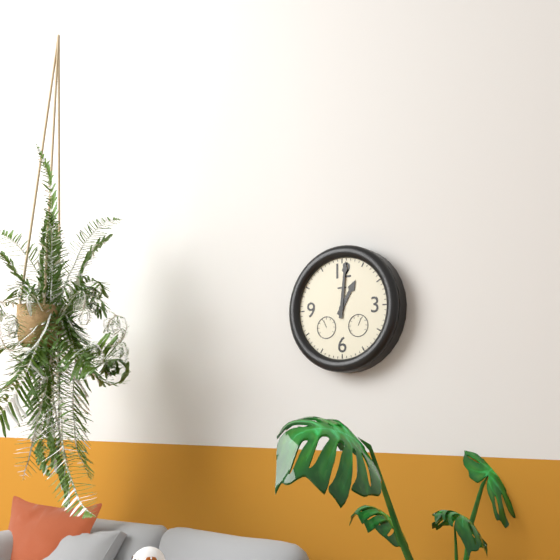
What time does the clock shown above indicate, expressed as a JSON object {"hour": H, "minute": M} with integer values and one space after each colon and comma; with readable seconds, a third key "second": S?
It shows {"hour": 1, "minute": 1}
